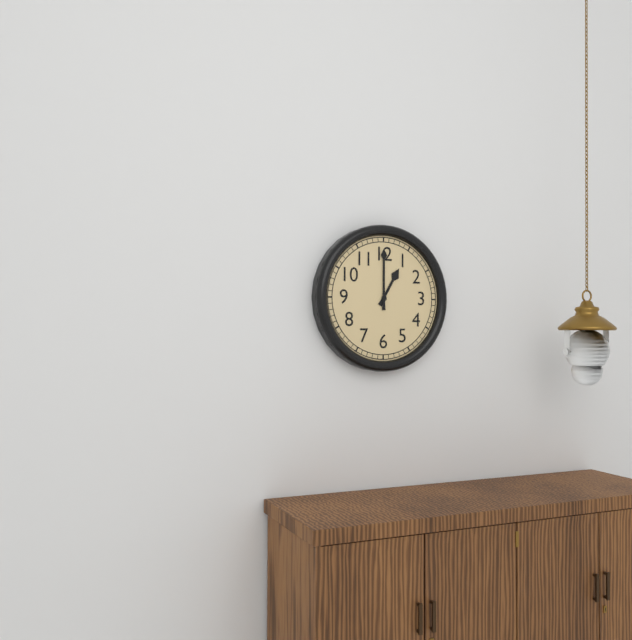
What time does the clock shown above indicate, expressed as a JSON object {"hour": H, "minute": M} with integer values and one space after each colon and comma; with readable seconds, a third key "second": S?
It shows {"hour": 1, "minute": 0}
